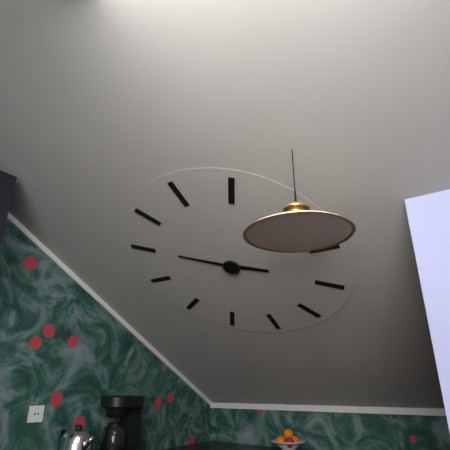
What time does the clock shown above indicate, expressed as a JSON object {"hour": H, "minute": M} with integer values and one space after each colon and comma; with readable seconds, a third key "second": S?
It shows {"hour": 3, "minute": 50}
